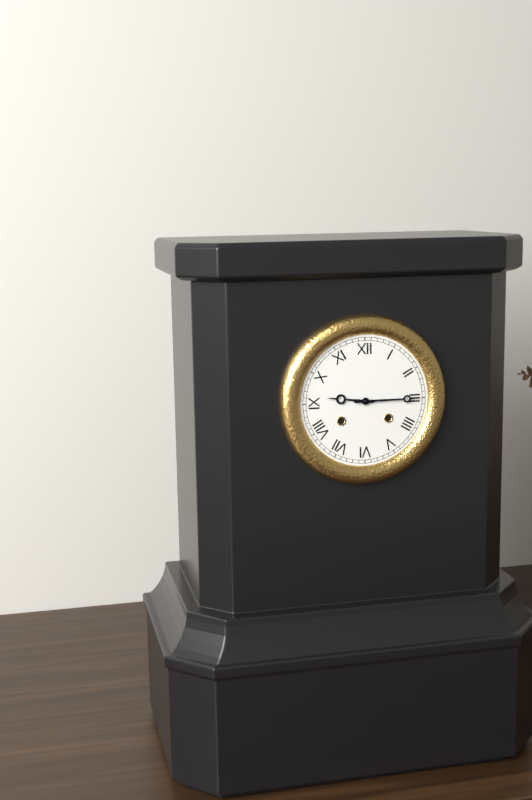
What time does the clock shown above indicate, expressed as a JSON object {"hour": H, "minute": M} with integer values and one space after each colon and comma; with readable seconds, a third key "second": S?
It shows {"hour": 9, "minute": 15}
